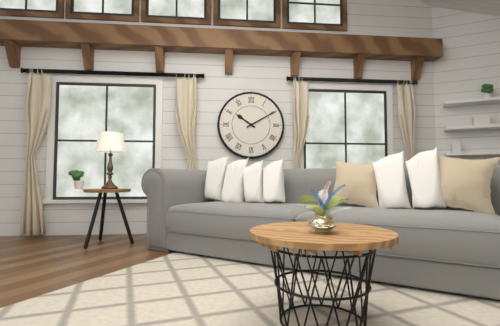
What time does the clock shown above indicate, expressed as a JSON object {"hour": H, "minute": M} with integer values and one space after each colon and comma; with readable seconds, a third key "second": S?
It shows {"hour": 10, "minute": 10}
